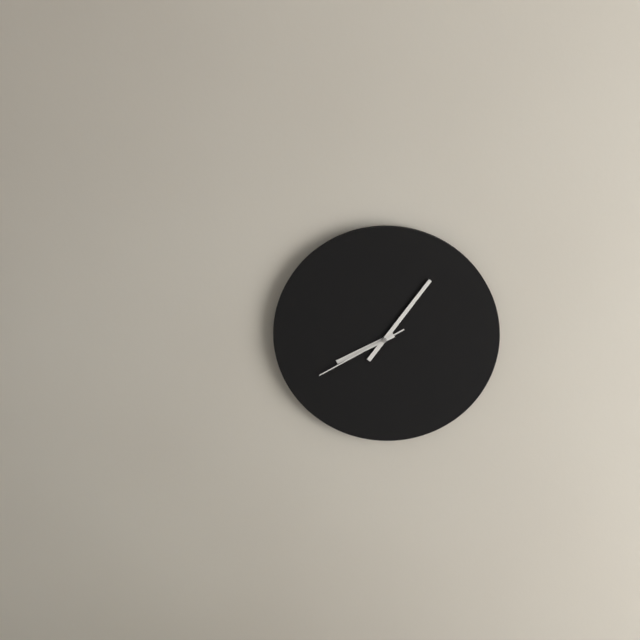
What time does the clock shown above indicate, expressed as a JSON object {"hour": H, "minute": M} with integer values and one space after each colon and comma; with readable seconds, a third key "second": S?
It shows {"hour": 8, "minute": 6, "second": 40}
